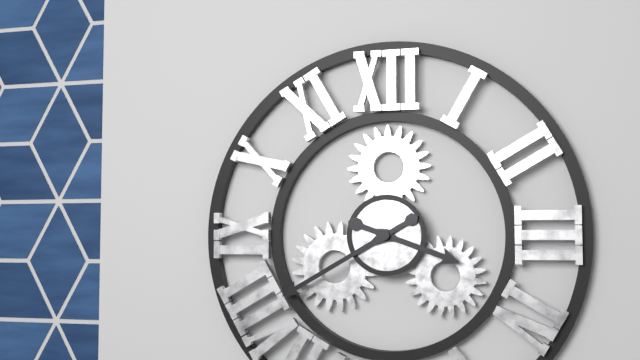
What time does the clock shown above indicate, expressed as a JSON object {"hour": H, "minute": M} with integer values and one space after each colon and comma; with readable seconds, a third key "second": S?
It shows {"hour": 3, "minute": 40}
